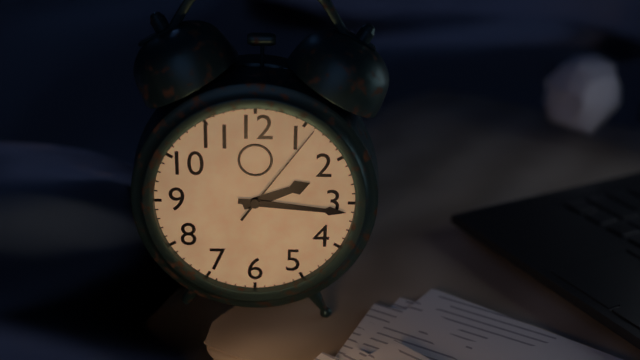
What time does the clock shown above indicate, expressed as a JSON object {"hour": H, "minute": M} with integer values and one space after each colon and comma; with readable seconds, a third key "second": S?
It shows {"hour": 2, "minute": 16, "second": 6}
